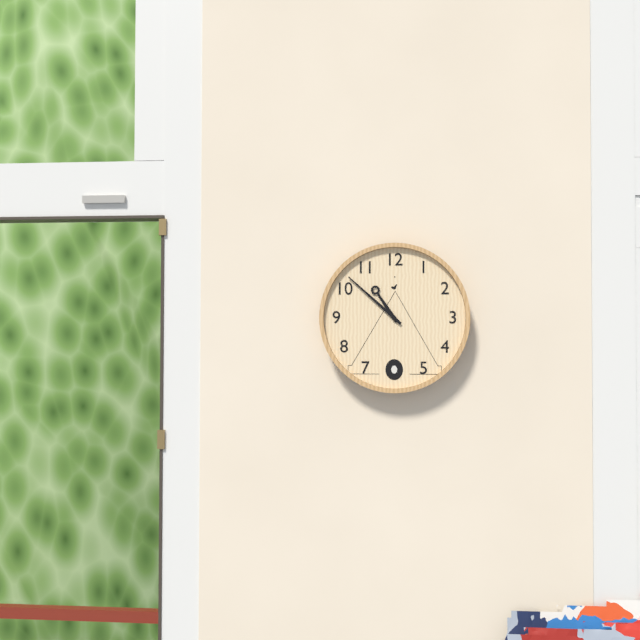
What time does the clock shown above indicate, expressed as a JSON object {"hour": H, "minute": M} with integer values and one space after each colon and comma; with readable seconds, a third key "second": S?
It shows {"hour": 10, "minute": 52}
